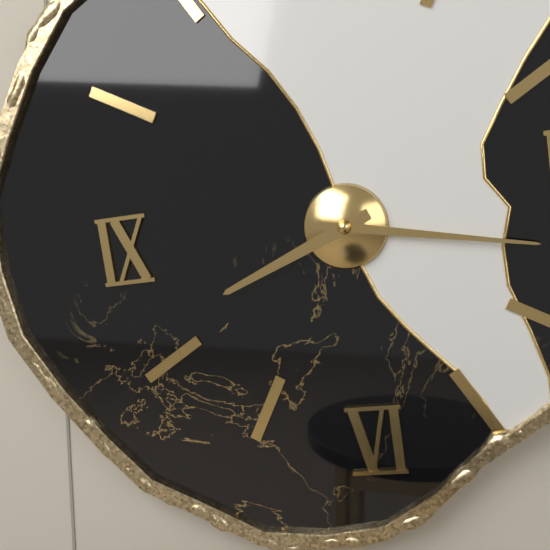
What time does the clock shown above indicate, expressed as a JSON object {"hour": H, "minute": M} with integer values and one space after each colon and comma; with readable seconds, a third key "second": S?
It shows {"hour": 8, "minute": 17}
